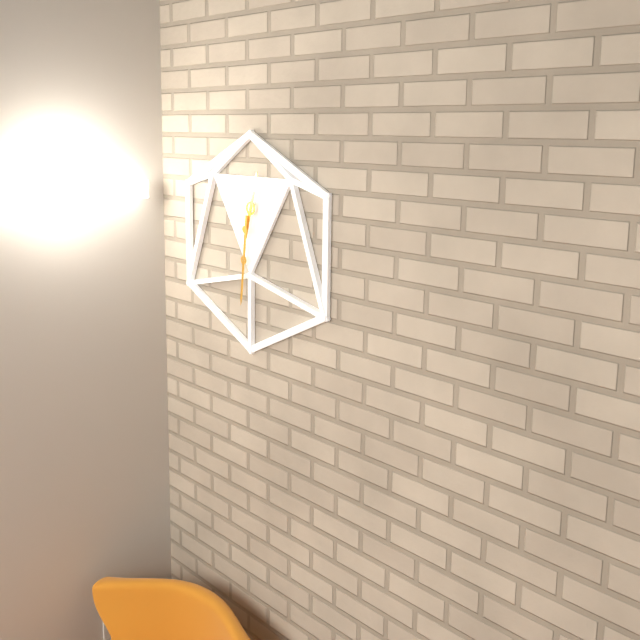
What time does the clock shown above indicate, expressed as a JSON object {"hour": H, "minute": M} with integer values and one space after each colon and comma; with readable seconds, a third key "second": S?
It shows {"hour": 12, "minute": 31}
